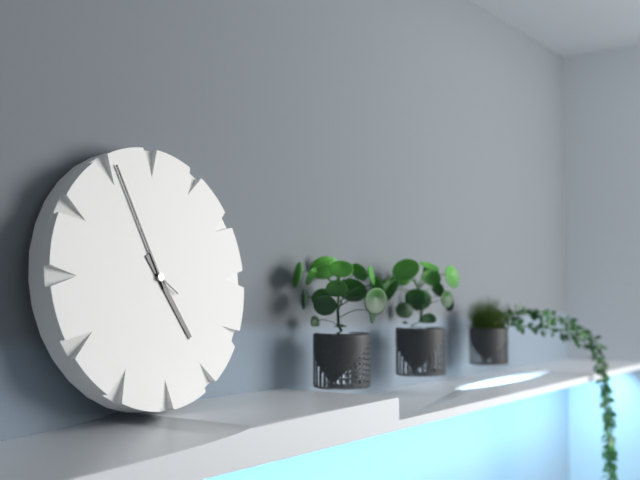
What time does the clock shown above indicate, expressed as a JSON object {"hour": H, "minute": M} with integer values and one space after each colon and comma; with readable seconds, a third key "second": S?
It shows {"hour": 4, "minute": 56}
